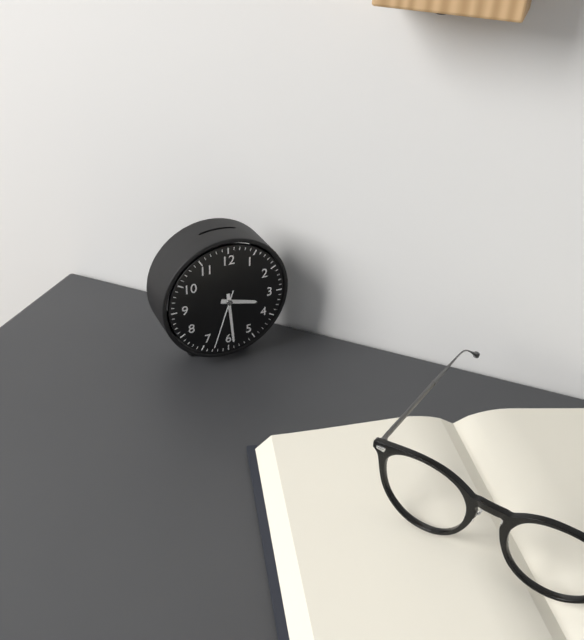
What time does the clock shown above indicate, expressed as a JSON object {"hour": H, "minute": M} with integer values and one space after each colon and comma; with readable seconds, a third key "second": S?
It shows {"hour": 3, "minute": 29, "second": 33}
